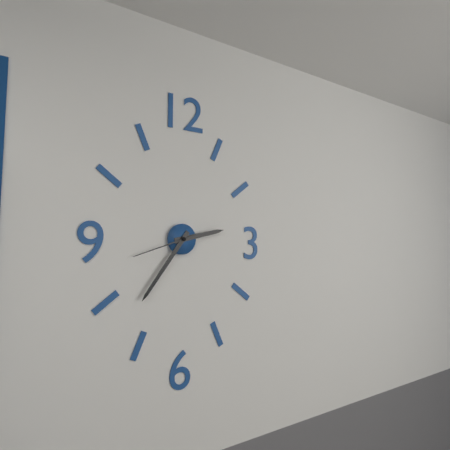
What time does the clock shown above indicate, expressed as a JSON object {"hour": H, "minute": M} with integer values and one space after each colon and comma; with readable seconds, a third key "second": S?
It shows {"hour": 2, "minute": 36, "second": 42}
